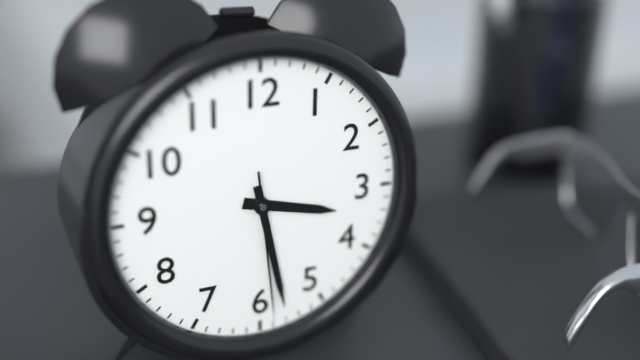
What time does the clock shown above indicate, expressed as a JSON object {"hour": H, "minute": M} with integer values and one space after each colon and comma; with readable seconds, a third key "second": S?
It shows {"hour": 3, "minute": 28, "second": 29}
